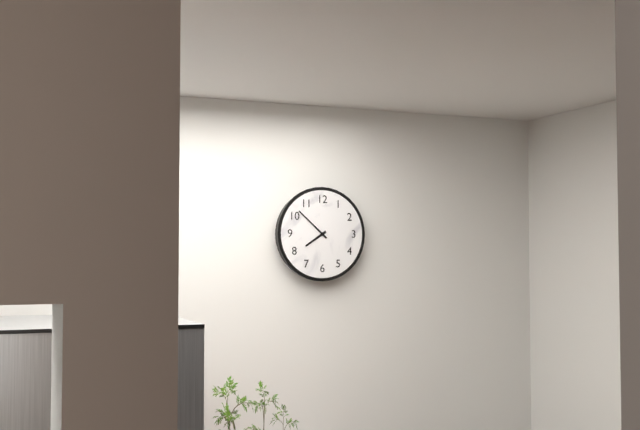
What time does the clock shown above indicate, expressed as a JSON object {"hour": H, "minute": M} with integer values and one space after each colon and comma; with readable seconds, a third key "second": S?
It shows {"hour": 7, "minute": 52}
